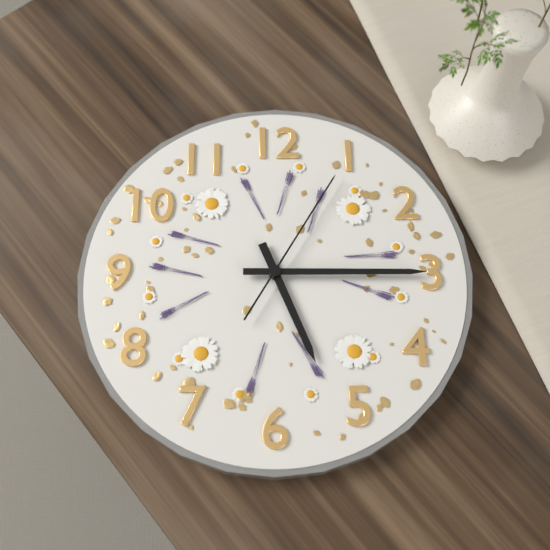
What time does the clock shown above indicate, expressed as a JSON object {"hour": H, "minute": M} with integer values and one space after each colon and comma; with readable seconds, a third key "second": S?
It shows {"hour": 5, "minute": 15, "second": 5}
